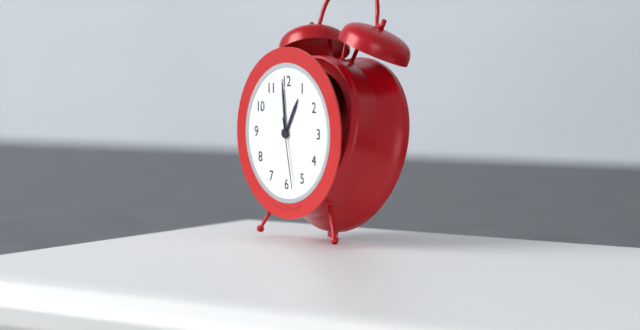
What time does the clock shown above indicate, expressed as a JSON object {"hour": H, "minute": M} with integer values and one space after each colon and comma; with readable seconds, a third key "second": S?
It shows {"hour": 12, "minute": 59, "second": 28}
